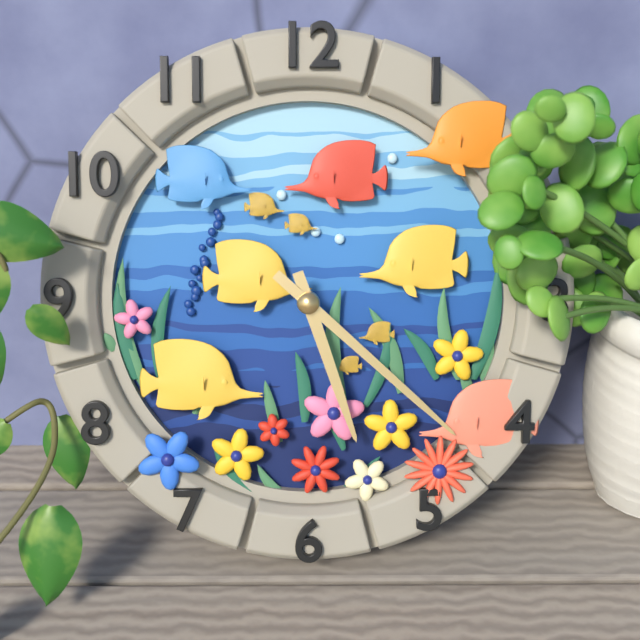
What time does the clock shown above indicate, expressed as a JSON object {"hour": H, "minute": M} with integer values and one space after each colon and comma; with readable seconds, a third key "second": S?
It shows {"hour": 5, "minute": 22}
